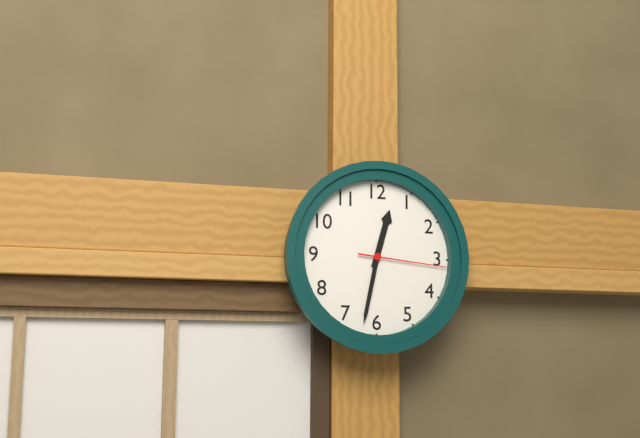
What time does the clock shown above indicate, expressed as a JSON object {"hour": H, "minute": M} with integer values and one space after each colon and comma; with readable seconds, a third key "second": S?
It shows {"hour": 12, "minute": 32, "second": 16}
